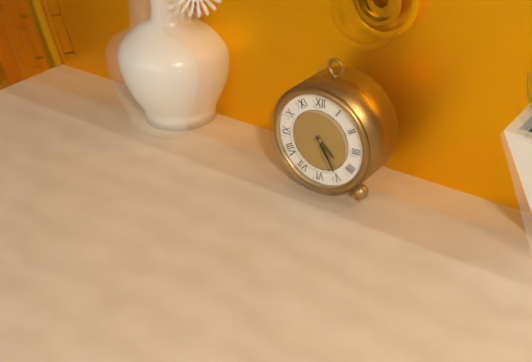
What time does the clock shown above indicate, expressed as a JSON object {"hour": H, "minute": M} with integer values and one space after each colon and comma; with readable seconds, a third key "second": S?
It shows {"hour": 4, "minute": 25}
